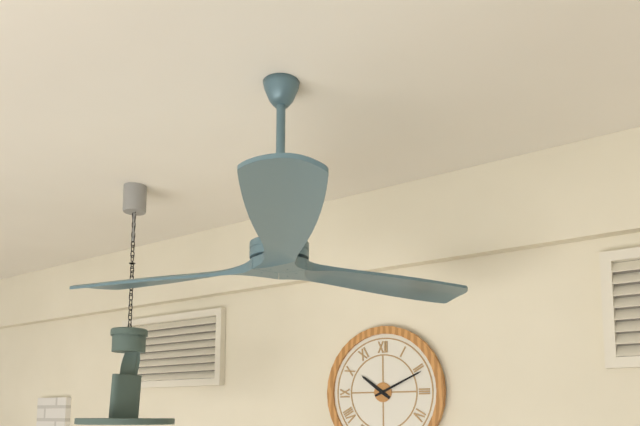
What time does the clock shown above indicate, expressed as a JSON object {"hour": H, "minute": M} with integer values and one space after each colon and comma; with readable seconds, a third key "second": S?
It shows {"hour": 10, "minute": 11}
